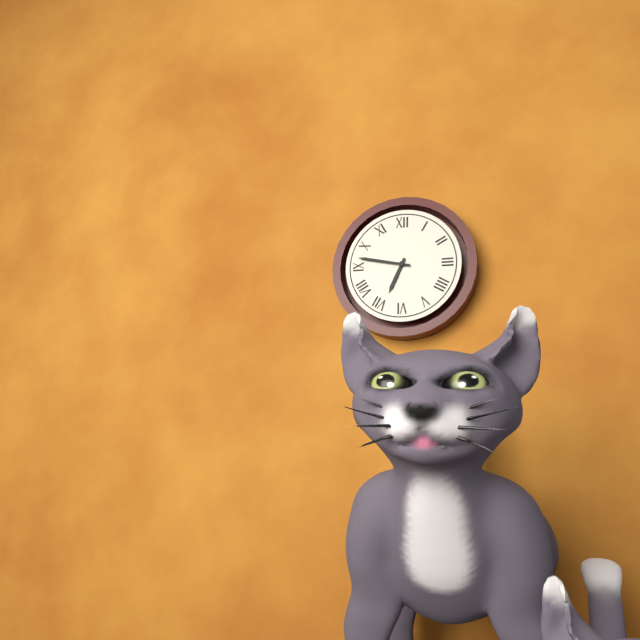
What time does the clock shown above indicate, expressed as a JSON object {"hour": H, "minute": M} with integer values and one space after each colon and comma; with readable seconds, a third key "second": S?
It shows {"hour": 6, "minute": 47}
